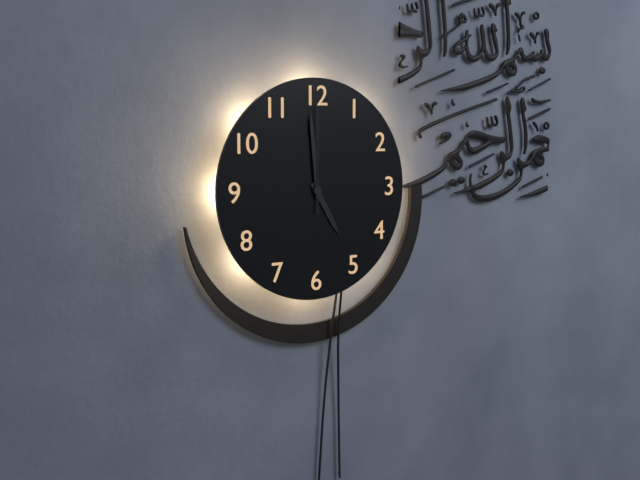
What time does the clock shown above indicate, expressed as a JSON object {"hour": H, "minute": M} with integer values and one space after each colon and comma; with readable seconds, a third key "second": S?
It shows {"hour": 4, "minute": 59, "second": 0}
